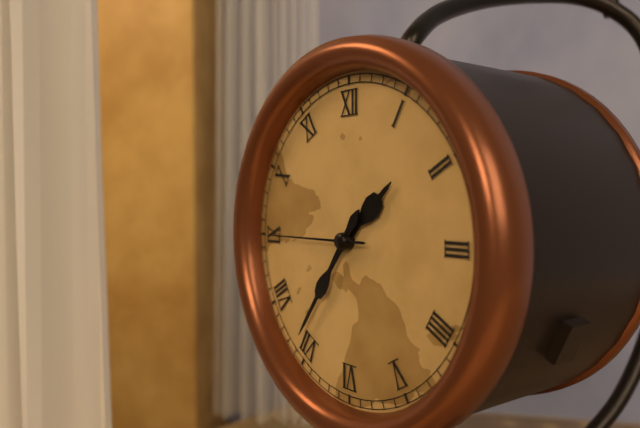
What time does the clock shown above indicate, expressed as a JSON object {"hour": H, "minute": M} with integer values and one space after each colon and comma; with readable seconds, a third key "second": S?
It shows {"hour": 1, "minute": 36, "second": 45}
